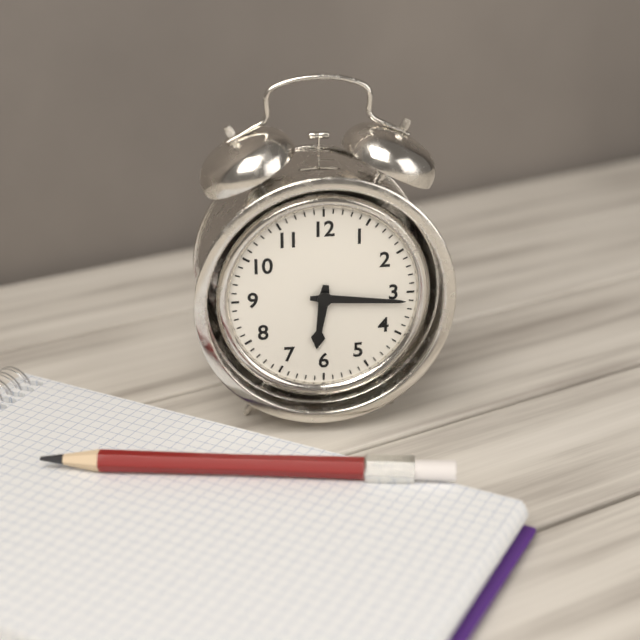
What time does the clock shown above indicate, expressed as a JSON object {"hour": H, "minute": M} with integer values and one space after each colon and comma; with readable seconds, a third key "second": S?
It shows {"hour": 6, "minute": 16}
